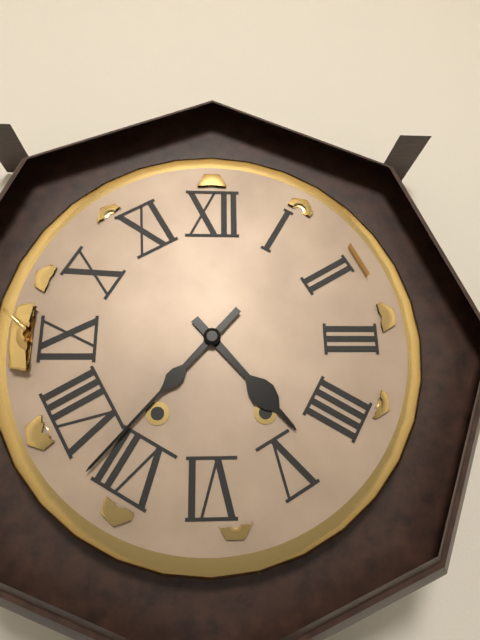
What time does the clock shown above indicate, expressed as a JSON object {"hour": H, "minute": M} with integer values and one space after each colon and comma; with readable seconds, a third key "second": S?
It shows {"hour": 4, "minute": 37}
